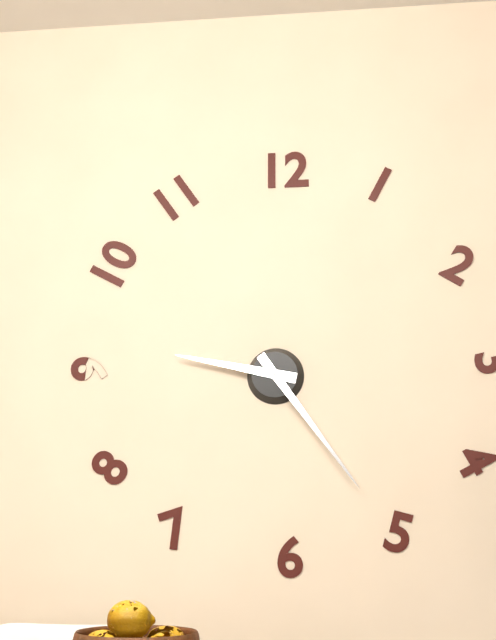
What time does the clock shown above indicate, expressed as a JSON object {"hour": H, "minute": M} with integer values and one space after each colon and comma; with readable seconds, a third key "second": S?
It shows {"hour": 9, "minute": 24}
